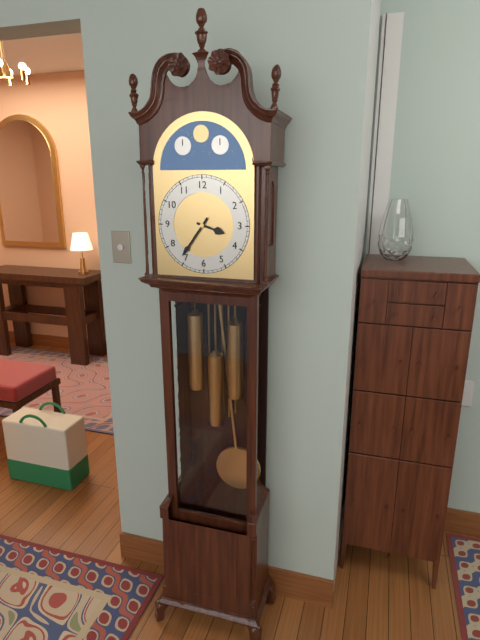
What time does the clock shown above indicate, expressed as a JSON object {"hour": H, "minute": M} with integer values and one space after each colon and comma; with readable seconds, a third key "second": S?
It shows {"hour": 3, "minute": 36}
